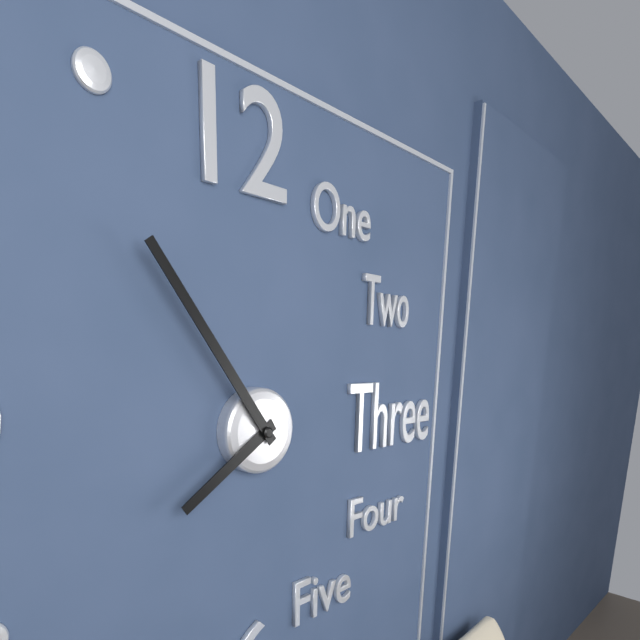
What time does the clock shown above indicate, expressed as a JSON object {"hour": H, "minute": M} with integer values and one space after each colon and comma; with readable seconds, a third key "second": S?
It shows {"hour": 7, "minute": 54}
